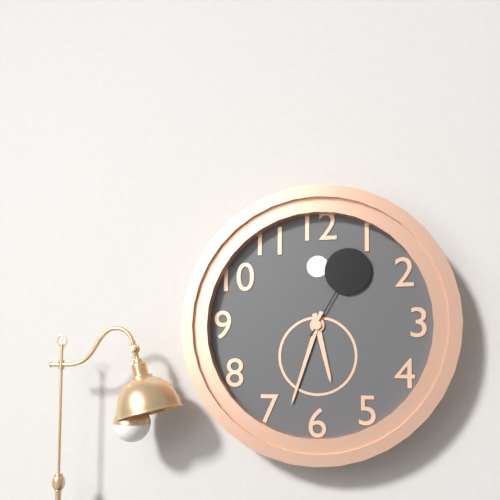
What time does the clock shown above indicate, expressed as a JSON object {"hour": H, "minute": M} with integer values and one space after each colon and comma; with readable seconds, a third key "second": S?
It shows {"hour": 5, "minute": 33, "second": 5}
